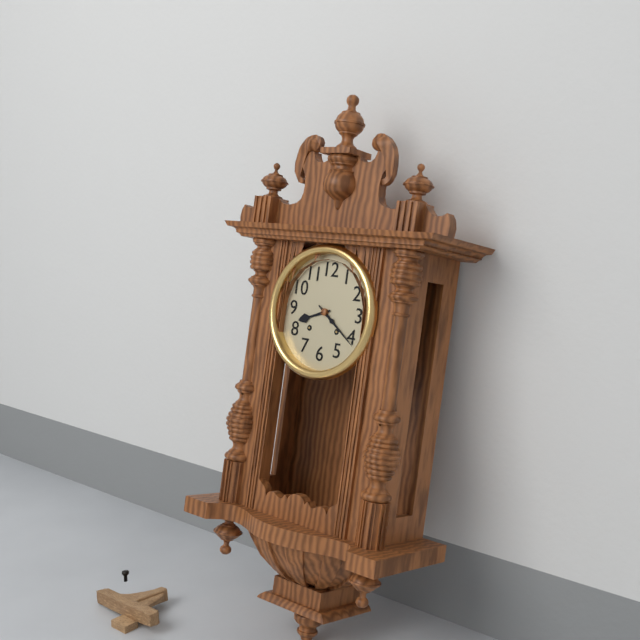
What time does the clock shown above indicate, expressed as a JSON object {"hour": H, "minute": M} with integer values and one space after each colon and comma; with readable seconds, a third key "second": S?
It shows {"hour": 8, "minute": 21}
